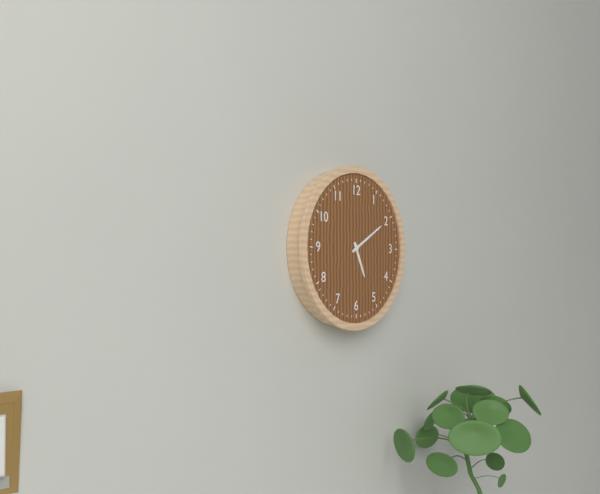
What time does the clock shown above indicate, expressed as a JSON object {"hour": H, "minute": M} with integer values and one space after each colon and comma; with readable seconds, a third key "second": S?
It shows {"hour": 5, "minute": 10}
